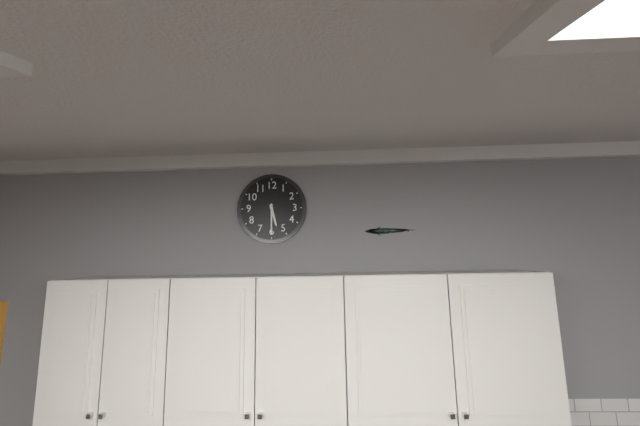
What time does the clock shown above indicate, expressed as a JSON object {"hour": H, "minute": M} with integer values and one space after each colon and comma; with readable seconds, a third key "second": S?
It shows {"hour": 5, "minute": 30}
